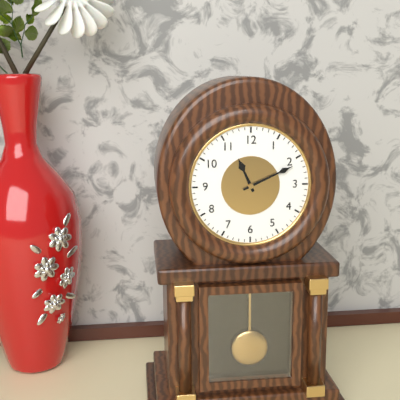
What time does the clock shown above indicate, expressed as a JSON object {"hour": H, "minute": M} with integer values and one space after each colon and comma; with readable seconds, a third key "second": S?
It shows {"hour": 11, "minute": 11}
